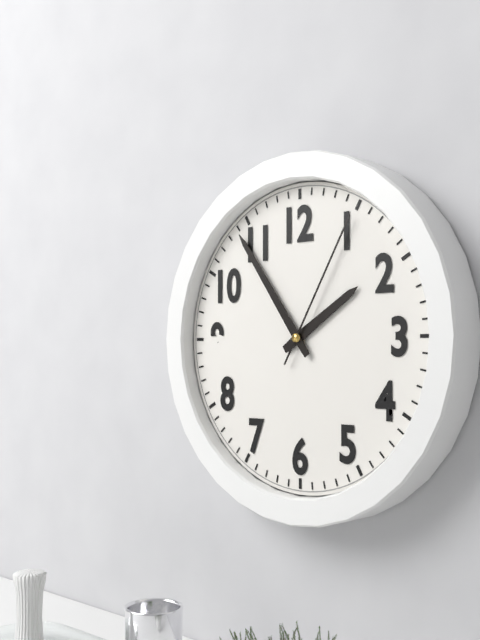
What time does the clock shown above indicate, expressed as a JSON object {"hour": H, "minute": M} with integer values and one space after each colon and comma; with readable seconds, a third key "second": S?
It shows {"hour": 1, "minute": 54, "second": 5}
